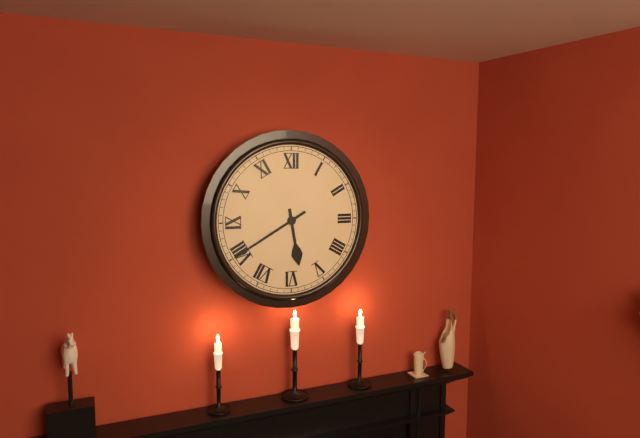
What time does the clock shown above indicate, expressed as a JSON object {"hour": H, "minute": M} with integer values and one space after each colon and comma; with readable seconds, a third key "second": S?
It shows {"hour": 5, "minute": 40}
